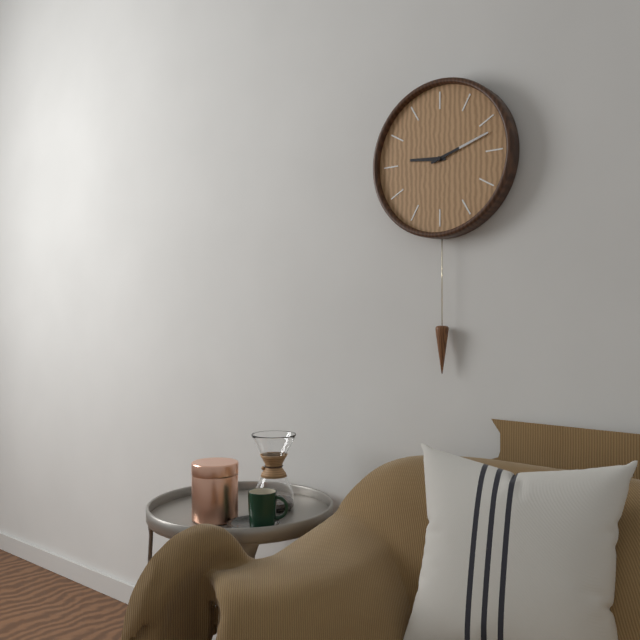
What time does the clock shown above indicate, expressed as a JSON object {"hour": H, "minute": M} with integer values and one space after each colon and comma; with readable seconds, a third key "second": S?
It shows {"hour": 9, "minute": 12}
